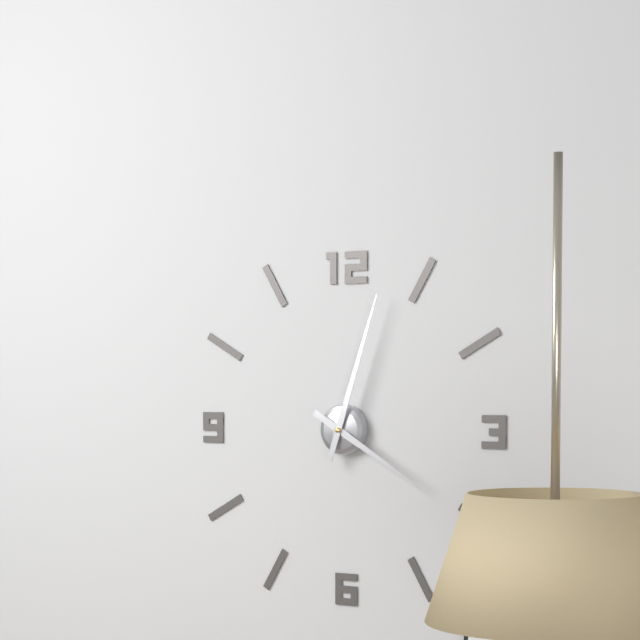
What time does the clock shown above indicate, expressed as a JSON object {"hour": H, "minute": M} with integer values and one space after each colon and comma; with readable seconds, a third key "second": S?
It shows {"hour": 4, "minute": 3}
